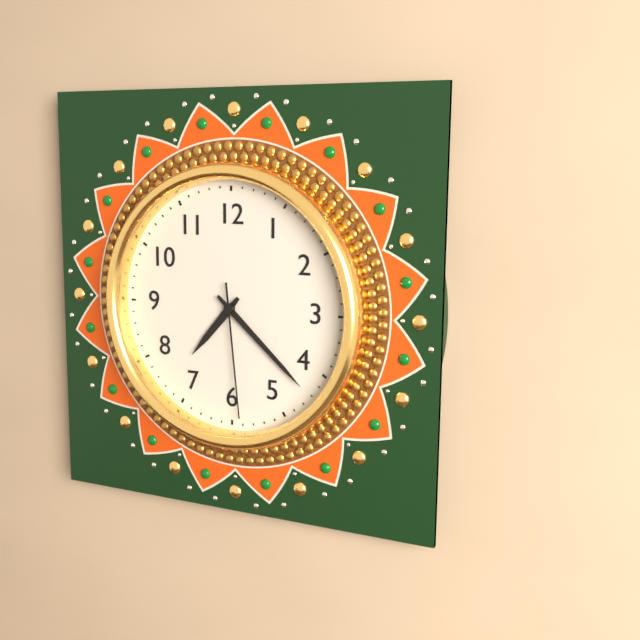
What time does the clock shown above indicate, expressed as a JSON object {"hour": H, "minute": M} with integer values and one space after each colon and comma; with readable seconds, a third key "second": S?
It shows {"hour": 7, "minute": 22, "second": 29}
